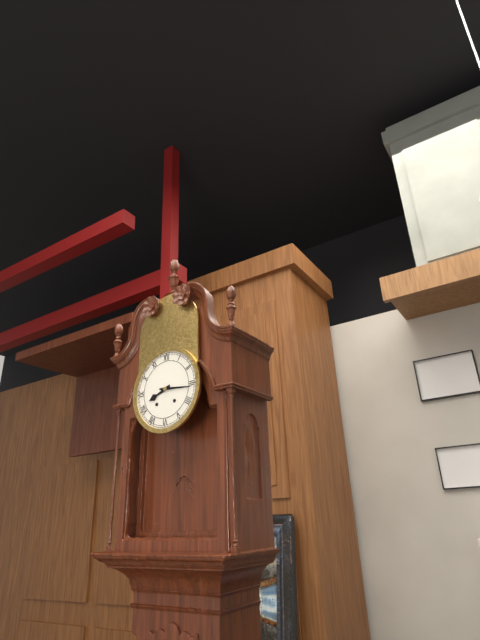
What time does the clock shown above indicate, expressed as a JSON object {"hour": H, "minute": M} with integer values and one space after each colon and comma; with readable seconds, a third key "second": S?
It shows {"hour": 8, "minute": 16}
